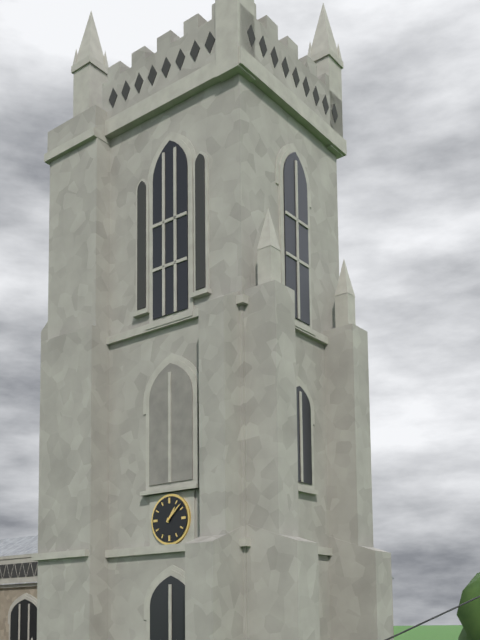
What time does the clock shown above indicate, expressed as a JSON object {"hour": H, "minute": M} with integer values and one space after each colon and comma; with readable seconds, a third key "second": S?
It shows {"hour": 1, "minute": 8}
